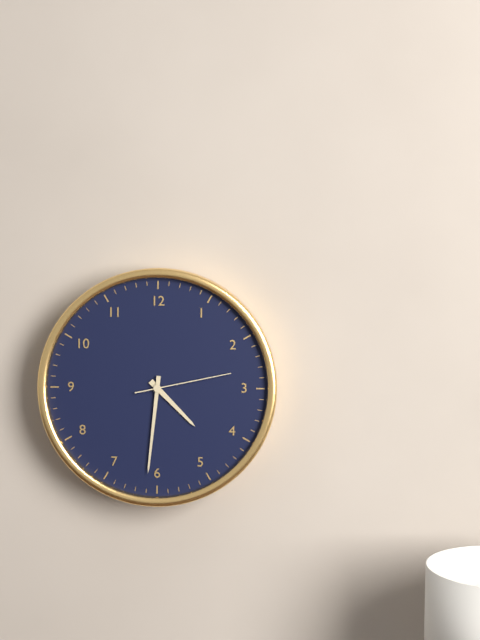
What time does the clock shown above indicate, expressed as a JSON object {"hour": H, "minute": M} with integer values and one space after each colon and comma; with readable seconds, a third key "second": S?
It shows {"hour": 4, "minute": 31, "second": 13}
